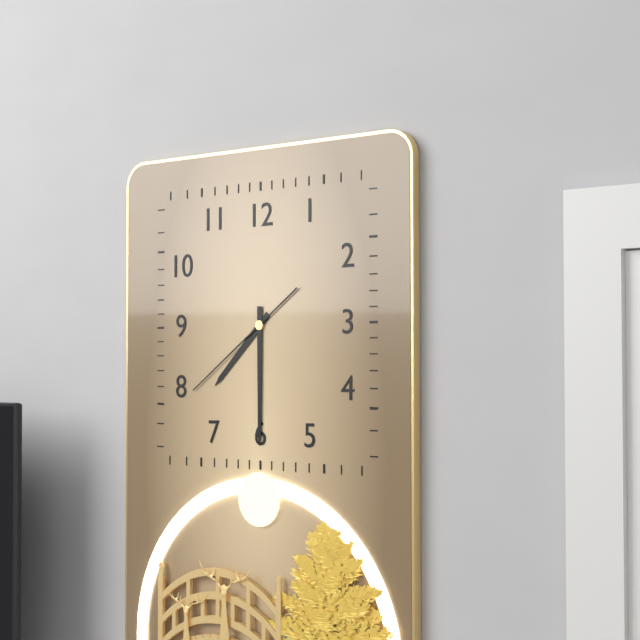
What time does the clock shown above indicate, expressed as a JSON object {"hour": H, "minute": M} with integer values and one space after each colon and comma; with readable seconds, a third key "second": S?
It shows {"hour": 7, "minute": 30, "second": 39}
